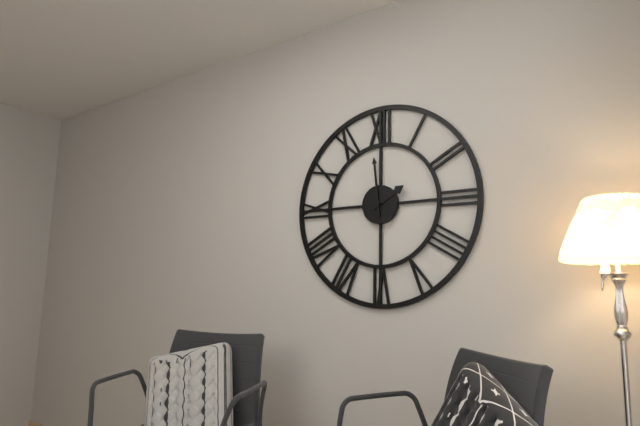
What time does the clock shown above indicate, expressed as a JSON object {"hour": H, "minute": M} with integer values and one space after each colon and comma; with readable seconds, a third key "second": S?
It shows {"hour": 1, "minute": 59}
